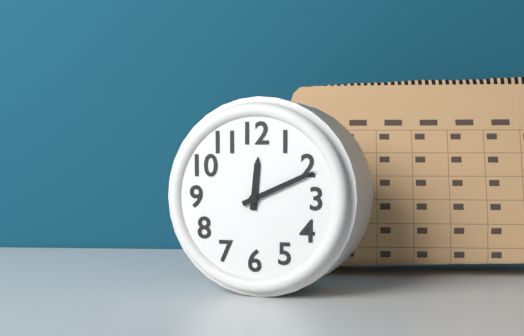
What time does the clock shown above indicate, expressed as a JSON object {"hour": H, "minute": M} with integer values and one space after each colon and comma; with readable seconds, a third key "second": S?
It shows {"hour": 12, "minute": 11}
